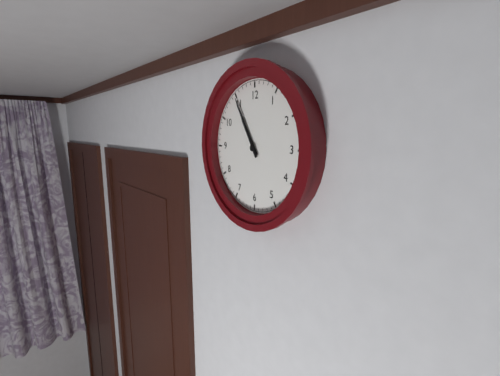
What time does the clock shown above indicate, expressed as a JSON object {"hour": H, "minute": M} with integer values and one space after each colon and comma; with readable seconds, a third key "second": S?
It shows {"hour": 10, "minute": 55}
